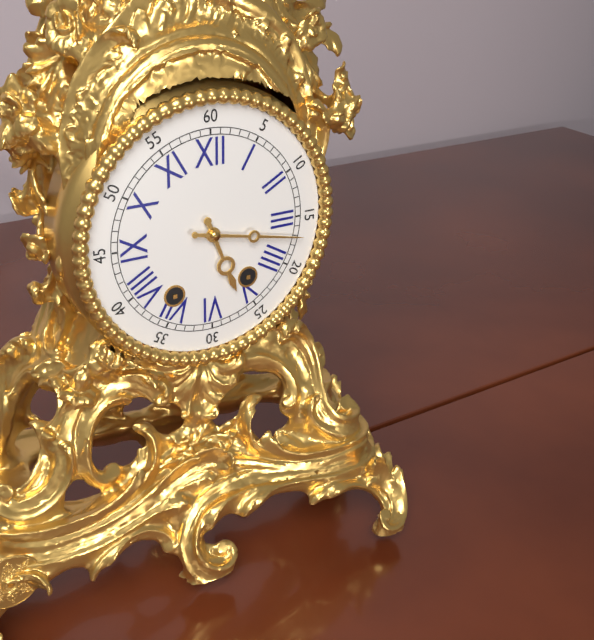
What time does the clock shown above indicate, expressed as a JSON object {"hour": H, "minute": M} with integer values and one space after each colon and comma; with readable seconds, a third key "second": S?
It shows {"hour": 5, "minute": 17}
